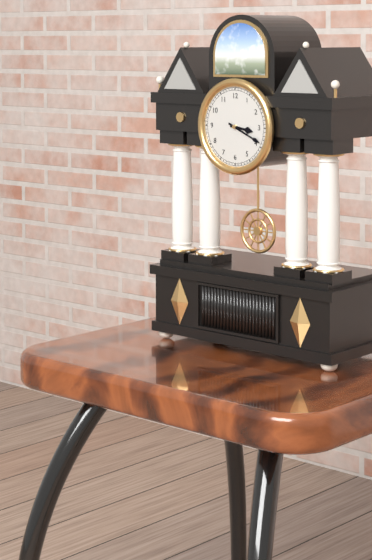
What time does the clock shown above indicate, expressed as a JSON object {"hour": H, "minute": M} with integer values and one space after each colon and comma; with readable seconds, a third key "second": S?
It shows {"hour": 3, "minute": 19}
